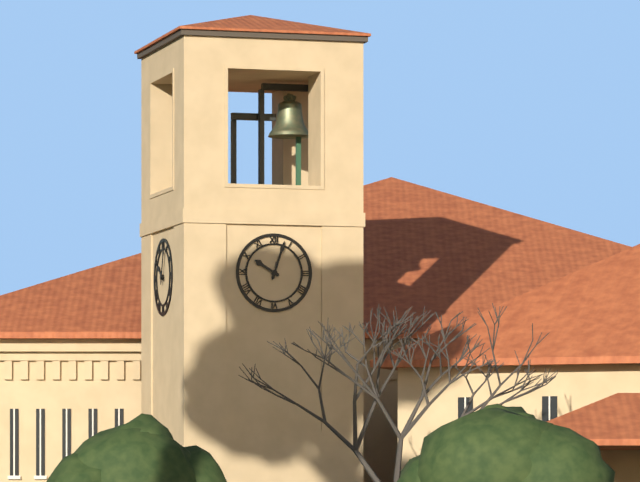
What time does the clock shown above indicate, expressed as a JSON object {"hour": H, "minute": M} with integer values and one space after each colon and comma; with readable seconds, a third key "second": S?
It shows {"hour": 10, "minute": 3}
